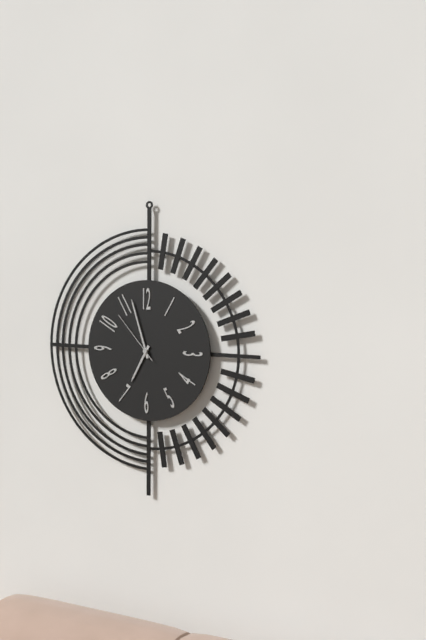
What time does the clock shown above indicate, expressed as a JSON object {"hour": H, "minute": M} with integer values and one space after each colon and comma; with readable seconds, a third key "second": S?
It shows {"hour": 6, "minute": 57, "second": 53}
